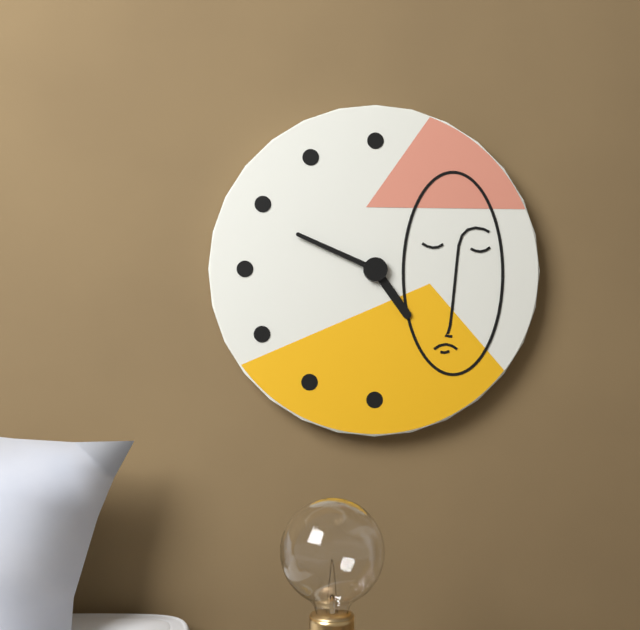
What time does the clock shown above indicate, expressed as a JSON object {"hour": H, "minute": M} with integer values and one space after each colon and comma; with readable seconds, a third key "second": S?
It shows {"hour": 4, "minute": 49}
